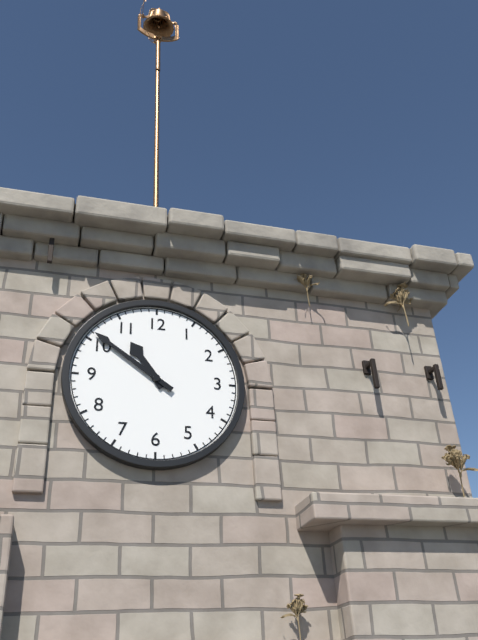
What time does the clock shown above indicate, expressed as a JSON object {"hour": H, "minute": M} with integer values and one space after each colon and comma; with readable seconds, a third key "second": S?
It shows {"hour": 10, "minute": 51}
